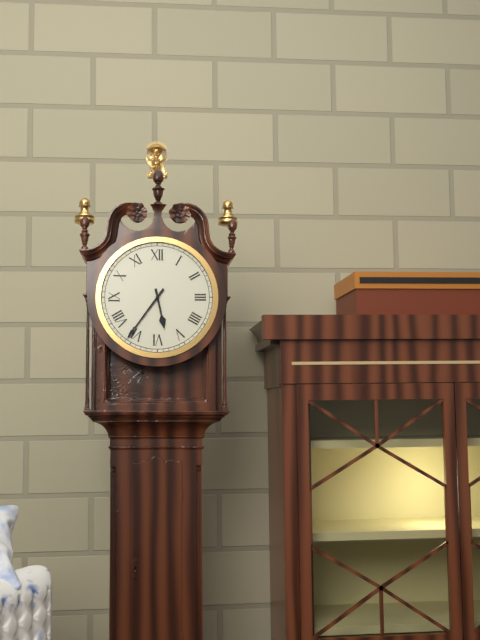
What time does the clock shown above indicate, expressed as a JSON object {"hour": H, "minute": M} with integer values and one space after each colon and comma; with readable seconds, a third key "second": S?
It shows {"hour": 5, "minute": 36}
